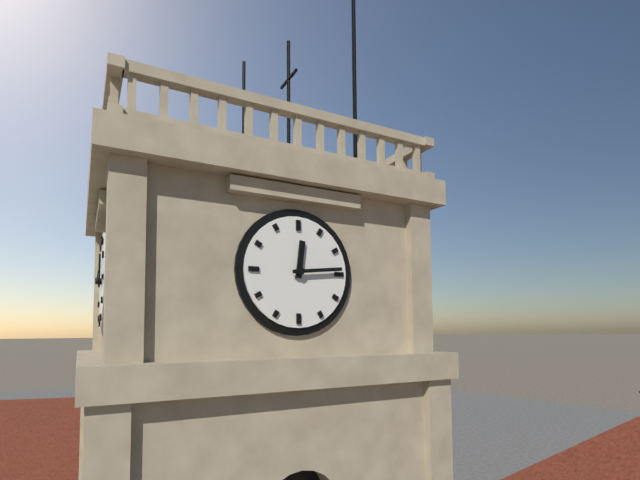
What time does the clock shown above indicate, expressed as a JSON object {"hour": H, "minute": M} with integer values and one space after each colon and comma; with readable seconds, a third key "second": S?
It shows {"hour": 12, "minute": 14}
